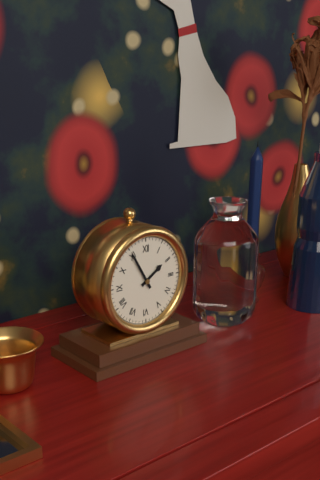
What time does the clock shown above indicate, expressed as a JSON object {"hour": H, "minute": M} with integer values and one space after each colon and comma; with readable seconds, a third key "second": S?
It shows {"hour": 1, "minute": 55}
